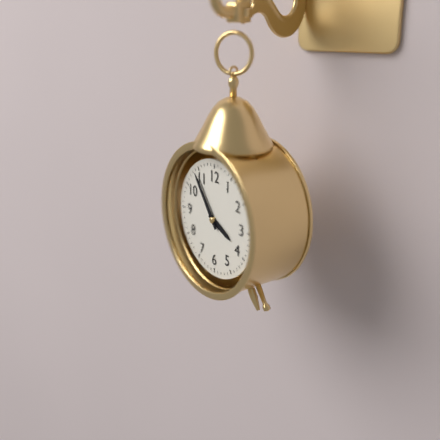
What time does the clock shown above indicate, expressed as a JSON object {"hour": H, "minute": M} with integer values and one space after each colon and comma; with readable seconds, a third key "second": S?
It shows {"hour": 3, "minute": 54}
